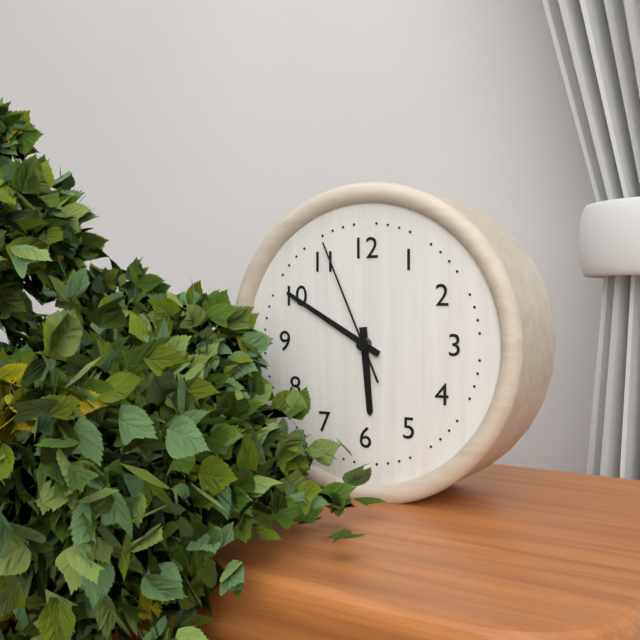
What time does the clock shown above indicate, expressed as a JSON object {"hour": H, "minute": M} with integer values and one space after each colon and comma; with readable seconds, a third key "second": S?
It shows {"hour": 5, "minute": 50, "second": 56}
